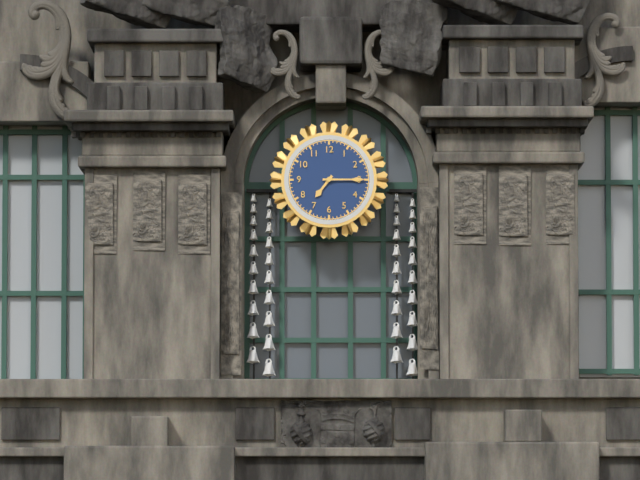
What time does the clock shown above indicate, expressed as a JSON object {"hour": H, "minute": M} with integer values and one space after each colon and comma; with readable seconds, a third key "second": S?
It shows {"hour": 7, "minute": 15}
